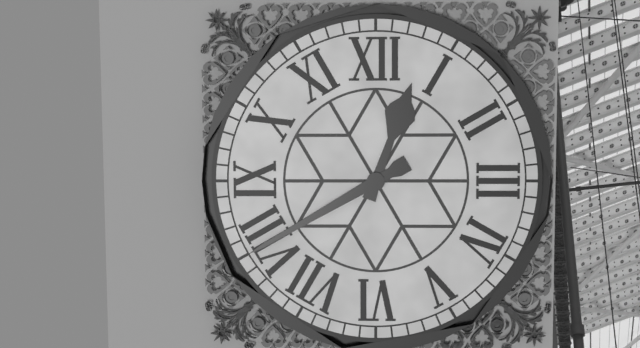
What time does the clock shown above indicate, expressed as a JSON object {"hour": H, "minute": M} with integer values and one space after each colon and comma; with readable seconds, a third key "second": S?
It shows {"hour": 12, "minute": 40}
